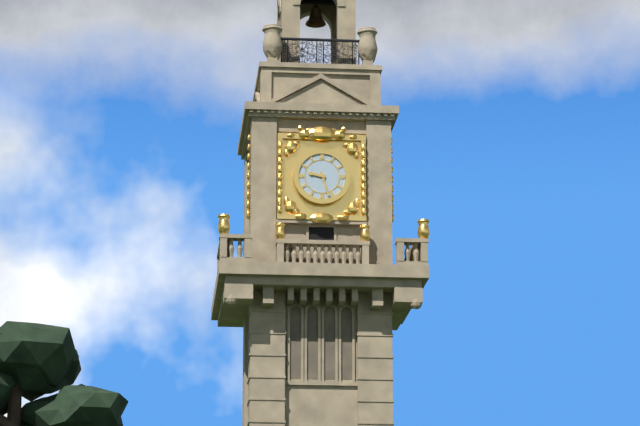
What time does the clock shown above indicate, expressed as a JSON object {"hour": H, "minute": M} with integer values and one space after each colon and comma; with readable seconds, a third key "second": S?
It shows {"hour": 9, "minute": 27}
